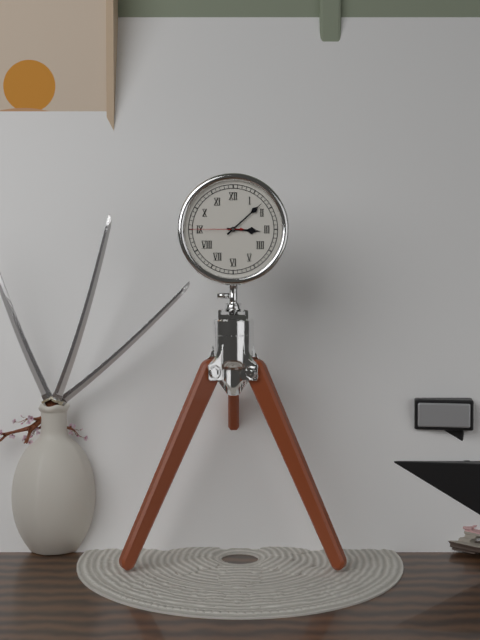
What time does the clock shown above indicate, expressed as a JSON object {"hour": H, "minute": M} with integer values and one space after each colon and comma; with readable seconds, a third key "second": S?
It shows {"hour": 3, "minute": 8, "second": 45}
